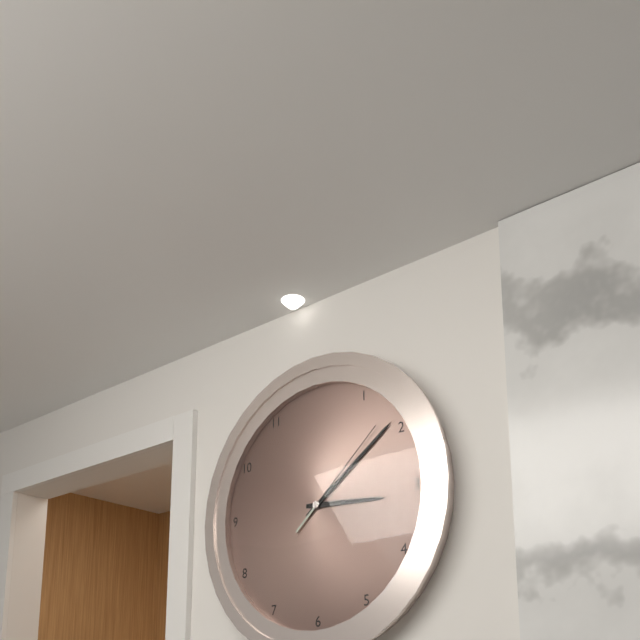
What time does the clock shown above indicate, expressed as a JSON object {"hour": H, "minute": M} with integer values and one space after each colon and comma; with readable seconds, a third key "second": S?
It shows {"hour": 3, "minute": 9, "second": 8}
